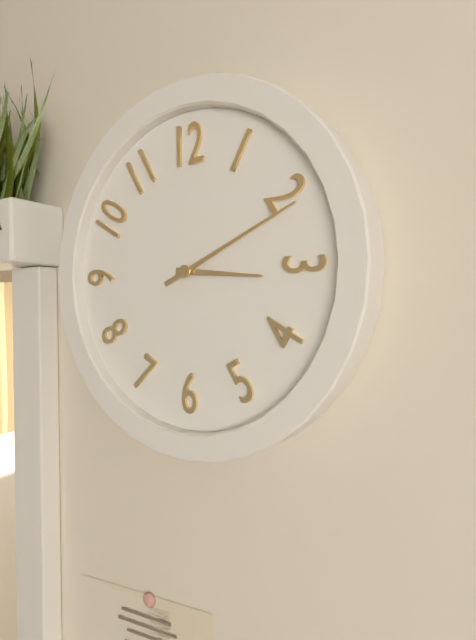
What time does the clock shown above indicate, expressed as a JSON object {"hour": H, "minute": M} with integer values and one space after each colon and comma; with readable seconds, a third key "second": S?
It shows {"hour": 3, "minute": 11}
